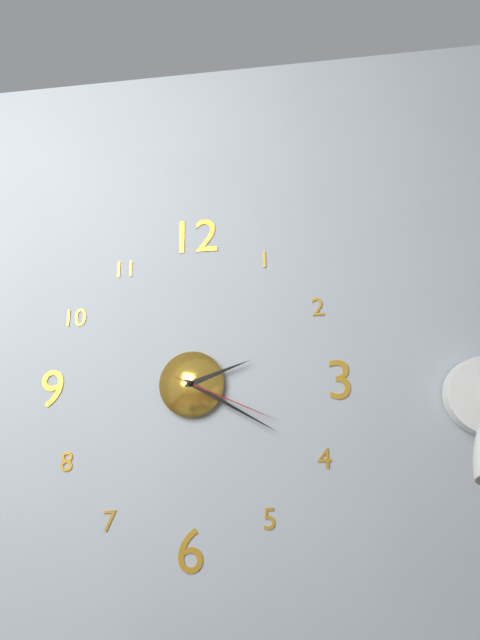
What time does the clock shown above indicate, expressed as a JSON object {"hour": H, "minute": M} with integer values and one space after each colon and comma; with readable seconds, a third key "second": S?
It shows {"hour": 2, "minute": 20, "second": 19}
